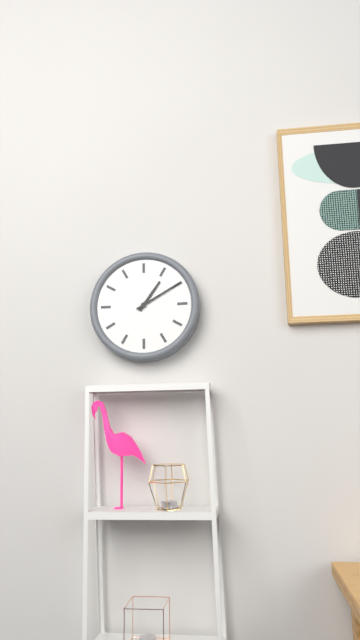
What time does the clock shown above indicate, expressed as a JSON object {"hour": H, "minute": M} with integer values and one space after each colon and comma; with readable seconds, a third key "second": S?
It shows {"hour": 1, "minute": 10}
